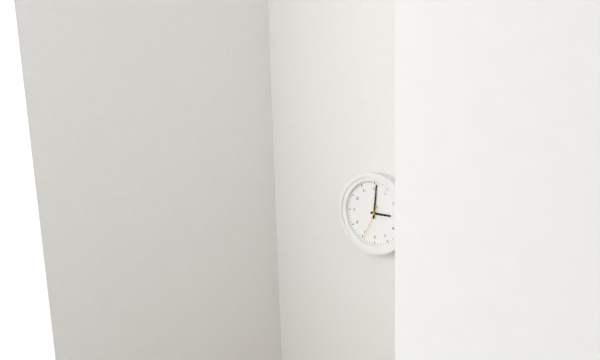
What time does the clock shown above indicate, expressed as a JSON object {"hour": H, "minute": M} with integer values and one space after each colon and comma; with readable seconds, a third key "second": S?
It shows {"hour": 3, "minute": 1}
